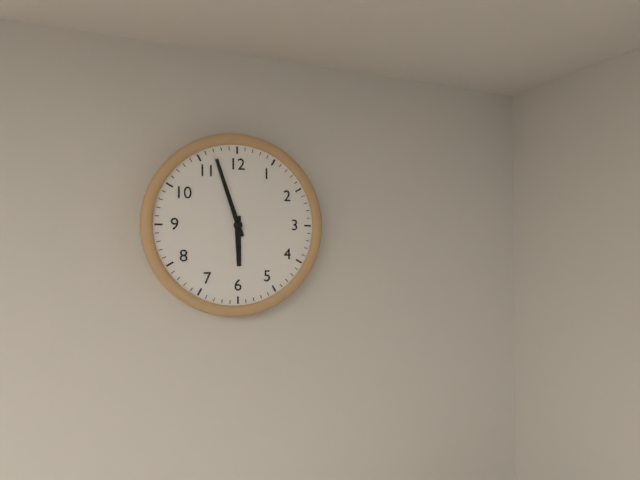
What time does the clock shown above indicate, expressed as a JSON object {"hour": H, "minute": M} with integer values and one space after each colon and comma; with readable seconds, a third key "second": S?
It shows {"hour": 5, "minute": 57}
